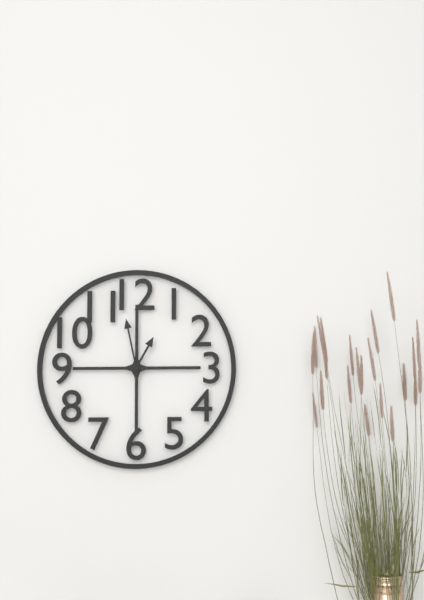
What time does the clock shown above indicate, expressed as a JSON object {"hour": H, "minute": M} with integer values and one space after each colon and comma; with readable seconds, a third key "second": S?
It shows {"hour": 12, "minute": 58}
